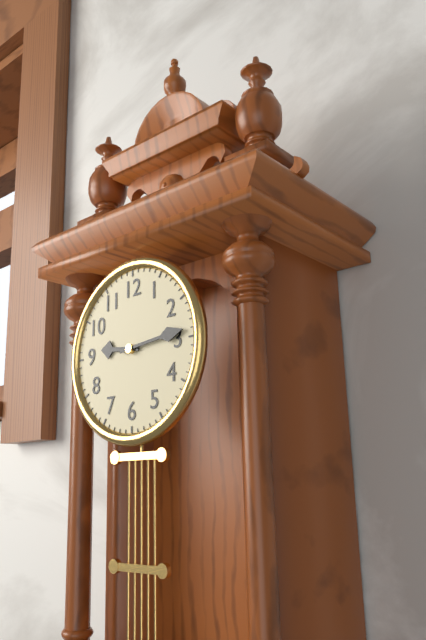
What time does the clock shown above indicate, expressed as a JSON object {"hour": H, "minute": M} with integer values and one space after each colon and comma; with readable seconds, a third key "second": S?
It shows {"hour": 9, "minute": 14}
